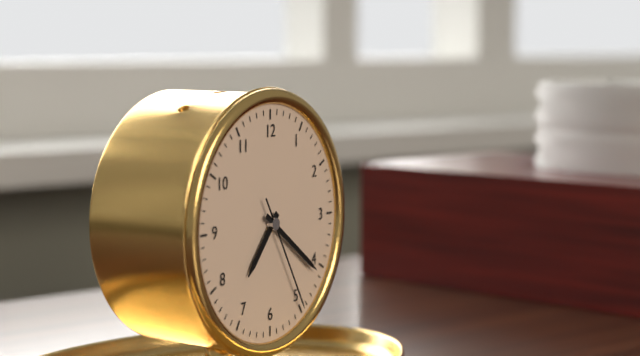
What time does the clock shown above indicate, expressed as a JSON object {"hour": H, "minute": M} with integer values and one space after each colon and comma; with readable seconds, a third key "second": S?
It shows {"hour": 7, "minute": 21, "second": 25}
